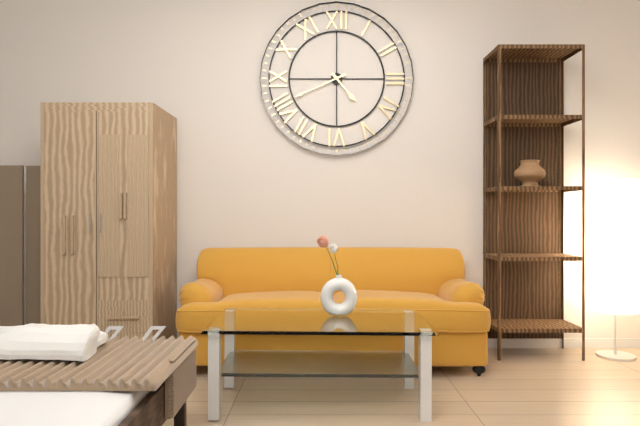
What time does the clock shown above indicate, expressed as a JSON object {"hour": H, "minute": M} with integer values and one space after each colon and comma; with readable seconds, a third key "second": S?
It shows {"hour": 4, "minute": 41}
